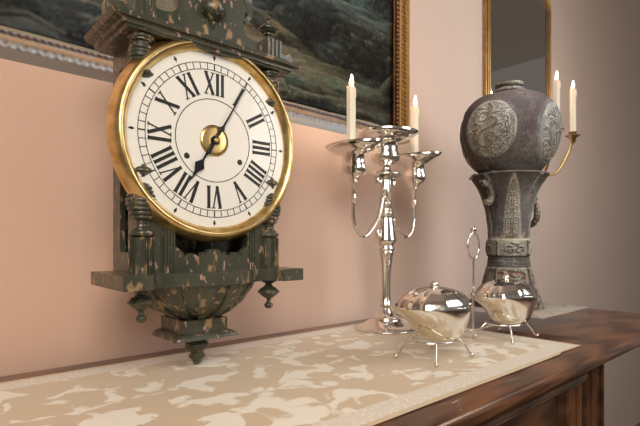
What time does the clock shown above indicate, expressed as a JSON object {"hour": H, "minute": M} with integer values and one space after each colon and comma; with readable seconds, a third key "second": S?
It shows {"hour": 7, "minute": 5}
